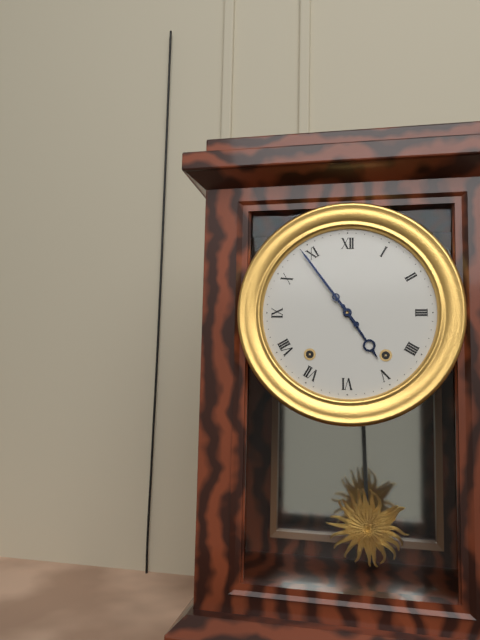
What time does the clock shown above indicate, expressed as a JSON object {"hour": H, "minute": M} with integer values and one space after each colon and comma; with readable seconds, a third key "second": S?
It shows {"hour": 4, "minute": 54}
